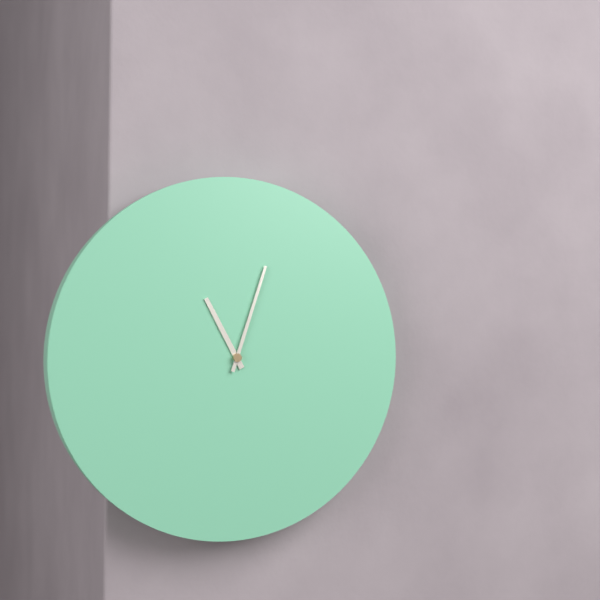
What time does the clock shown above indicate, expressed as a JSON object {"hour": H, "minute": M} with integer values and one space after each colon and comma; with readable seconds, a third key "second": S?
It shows {"hour": 11, "minute": 3}
